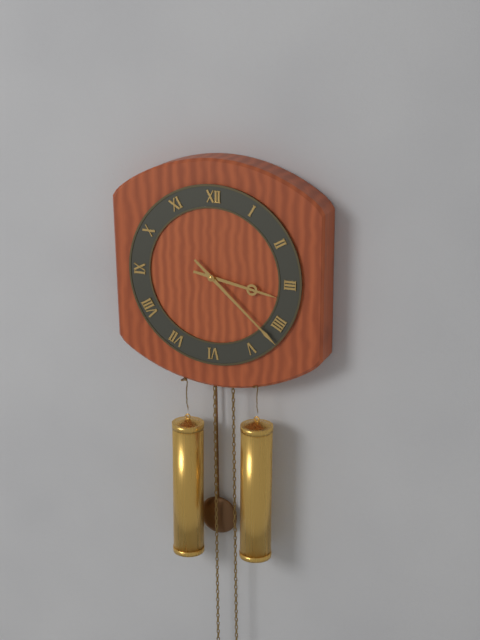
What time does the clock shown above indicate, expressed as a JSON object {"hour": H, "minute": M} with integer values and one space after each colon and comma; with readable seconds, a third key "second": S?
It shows {"hour": 3, "minute": 22}
